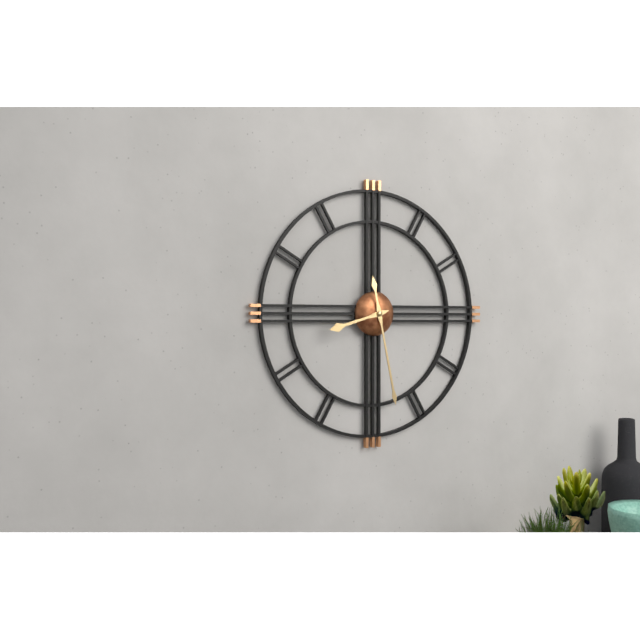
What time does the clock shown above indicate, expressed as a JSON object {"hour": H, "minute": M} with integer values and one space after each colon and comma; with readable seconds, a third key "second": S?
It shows {"hour": 8, "minute": 28}
